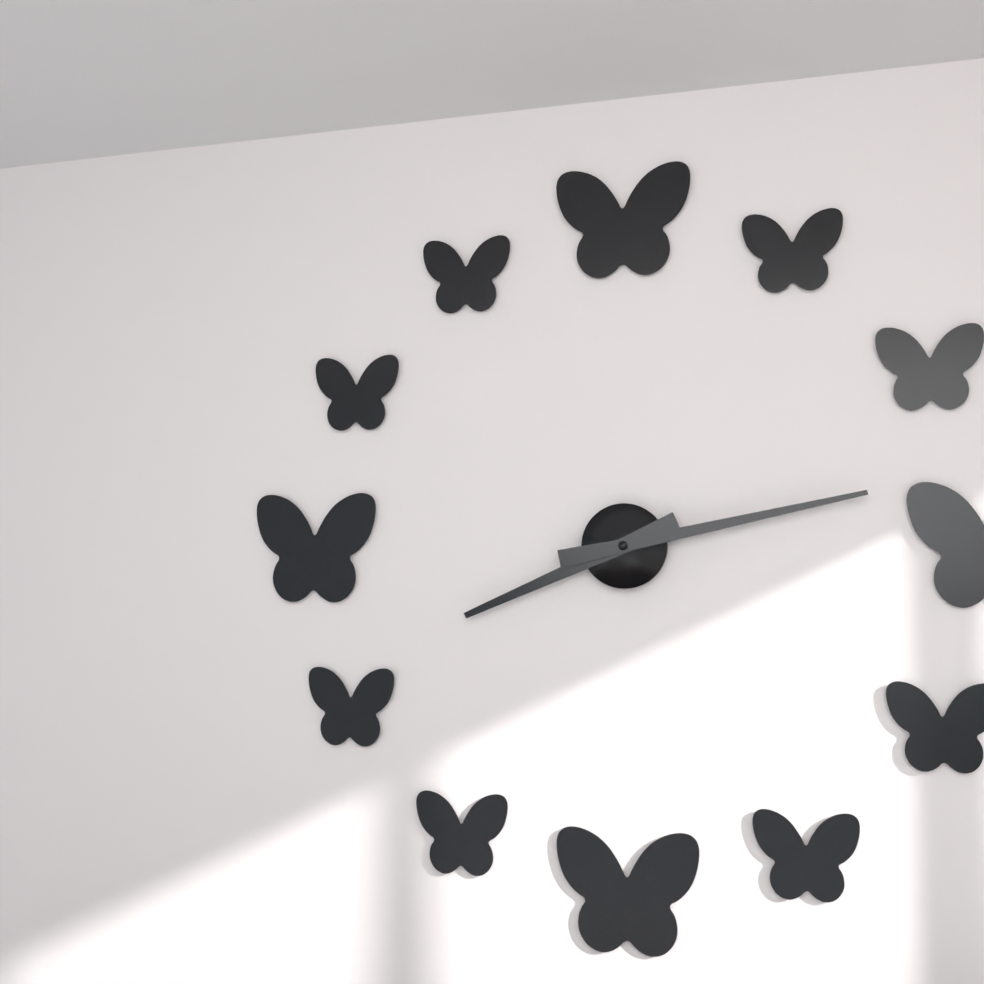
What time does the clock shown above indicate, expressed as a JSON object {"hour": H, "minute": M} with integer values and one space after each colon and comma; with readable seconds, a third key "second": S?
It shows {"hour": 8, "minute": 13}
